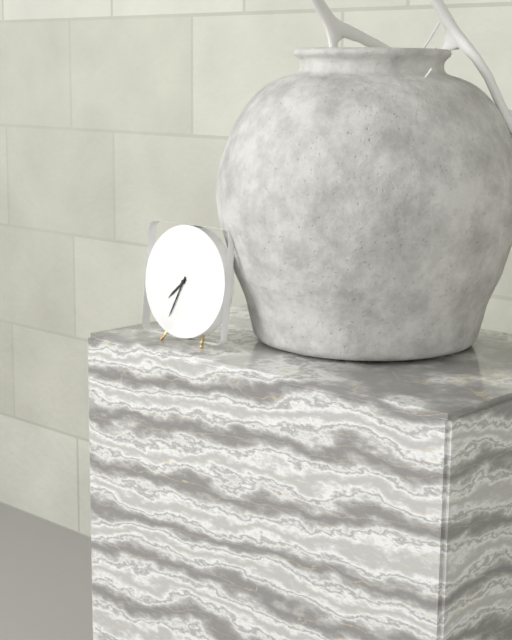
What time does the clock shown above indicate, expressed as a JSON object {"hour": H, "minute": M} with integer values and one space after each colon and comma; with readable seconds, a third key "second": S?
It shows {"hour": 7, "minute": 34}
